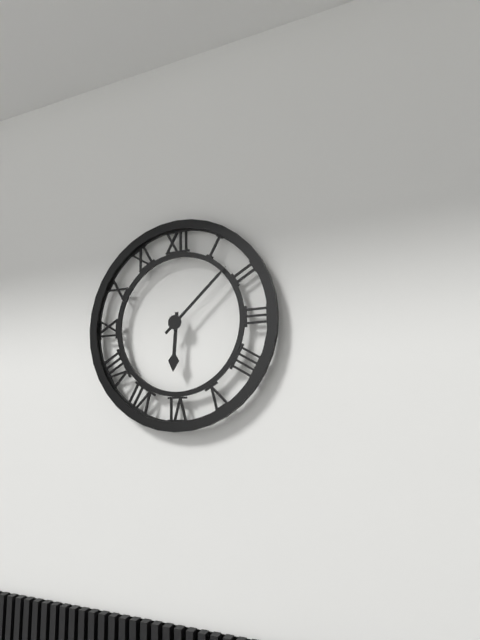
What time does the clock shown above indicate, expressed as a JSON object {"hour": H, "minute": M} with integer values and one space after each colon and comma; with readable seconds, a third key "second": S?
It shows {"hour": 6, "minute": 8}
